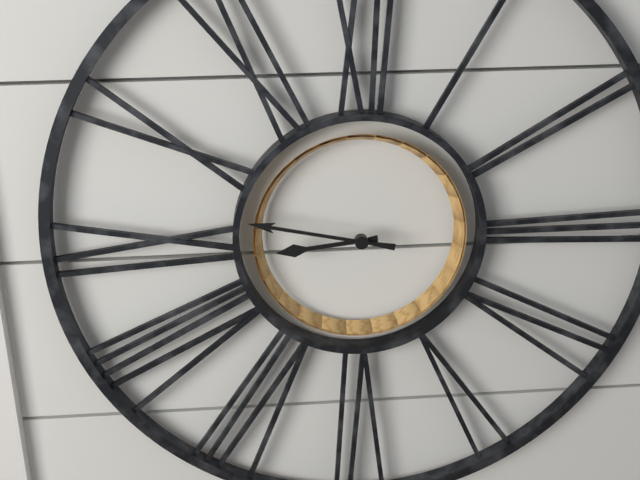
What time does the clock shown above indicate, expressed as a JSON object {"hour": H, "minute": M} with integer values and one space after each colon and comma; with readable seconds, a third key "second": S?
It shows {"hour": 8, "minute": 47}
